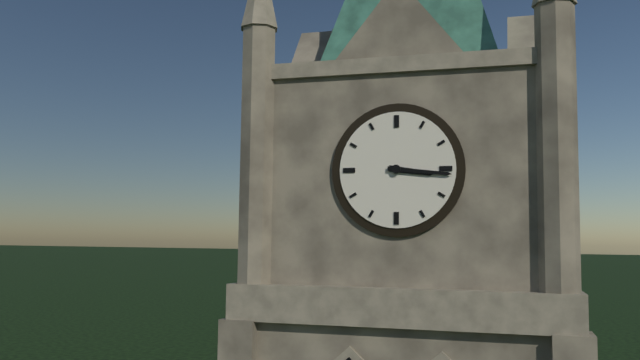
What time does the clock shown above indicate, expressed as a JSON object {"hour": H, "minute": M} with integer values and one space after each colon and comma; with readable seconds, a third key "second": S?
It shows {"hour": 3, "minute": 16}
